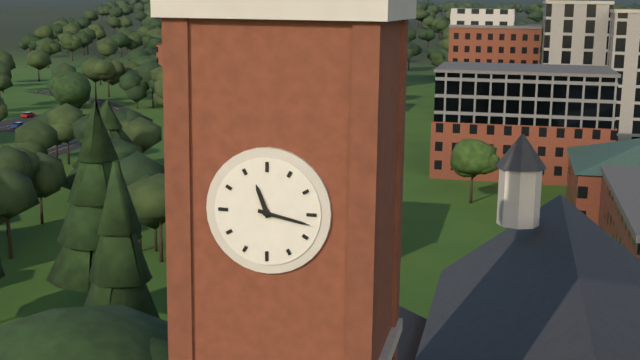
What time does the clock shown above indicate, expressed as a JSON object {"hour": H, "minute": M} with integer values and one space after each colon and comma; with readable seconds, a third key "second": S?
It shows {"hour": 11, "minute": 17}
